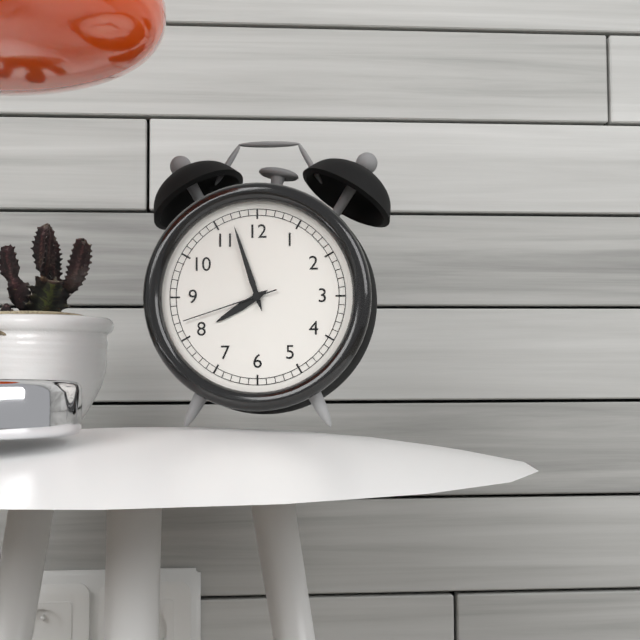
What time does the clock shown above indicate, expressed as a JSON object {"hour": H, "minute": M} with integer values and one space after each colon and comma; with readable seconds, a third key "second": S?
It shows {"hour": 7, "minute": 57, "second": 42}
